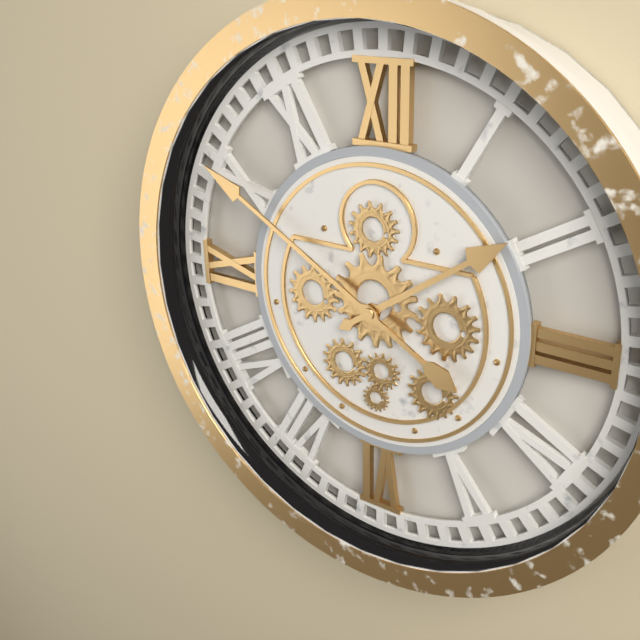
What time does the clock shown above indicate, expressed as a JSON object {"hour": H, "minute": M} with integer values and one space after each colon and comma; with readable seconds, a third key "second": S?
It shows {"hour": 1, "minute": 50}
